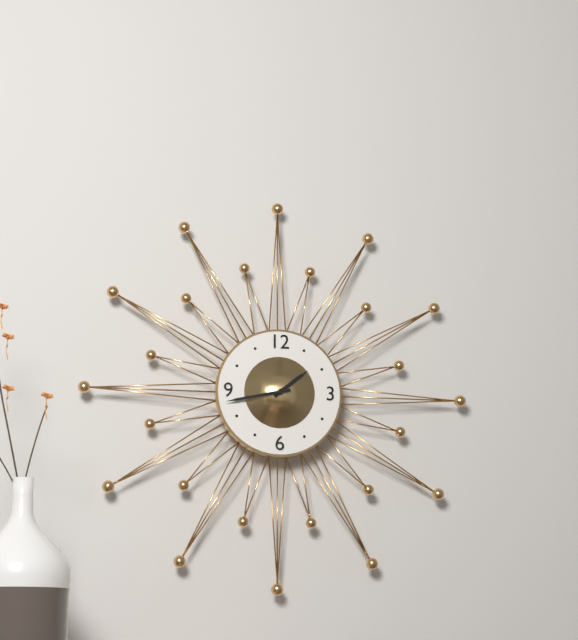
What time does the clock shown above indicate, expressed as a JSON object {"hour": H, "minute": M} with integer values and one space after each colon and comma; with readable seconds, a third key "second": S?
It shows {"hour": 1, "minute": 43}
